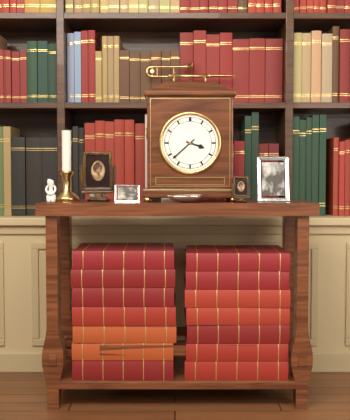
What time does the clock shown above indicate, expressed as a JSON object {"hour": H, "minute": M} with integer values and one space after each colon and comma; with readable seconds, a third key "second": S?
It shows {"hour": 3, "minute": 38}
